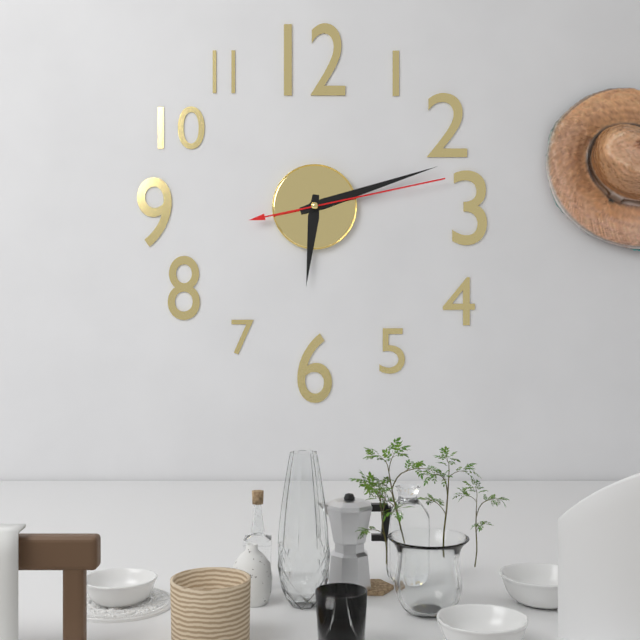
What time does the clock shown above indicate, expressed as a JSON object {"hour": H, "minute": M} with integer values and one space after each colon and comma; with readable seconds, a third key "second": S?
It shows {"hour": 6, "minute": 12, "second": 13}
